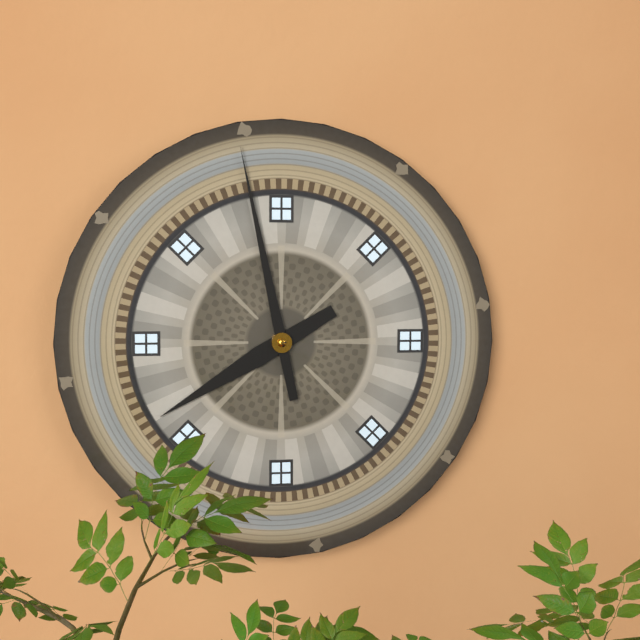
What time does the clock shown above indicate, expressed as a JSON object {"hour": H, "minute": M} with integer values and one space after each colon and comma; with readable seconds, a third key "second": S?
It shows {"hour": 7, "minute": 58}
